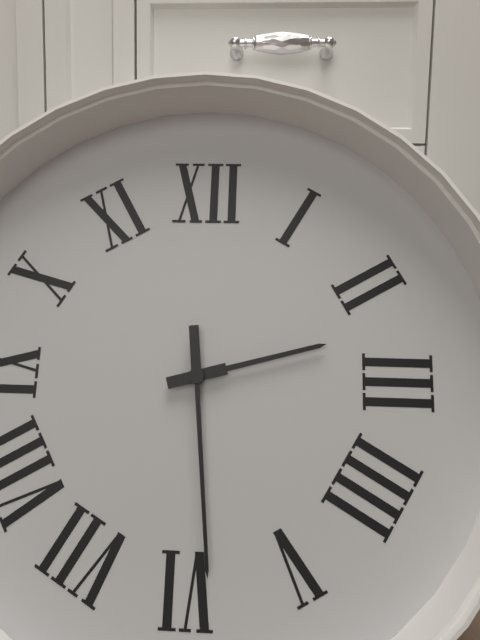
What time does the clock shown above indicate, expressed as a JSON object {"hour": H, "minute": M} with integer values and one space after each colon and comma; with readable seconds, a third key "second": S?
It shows {"hour": 2, "minute": 29}
